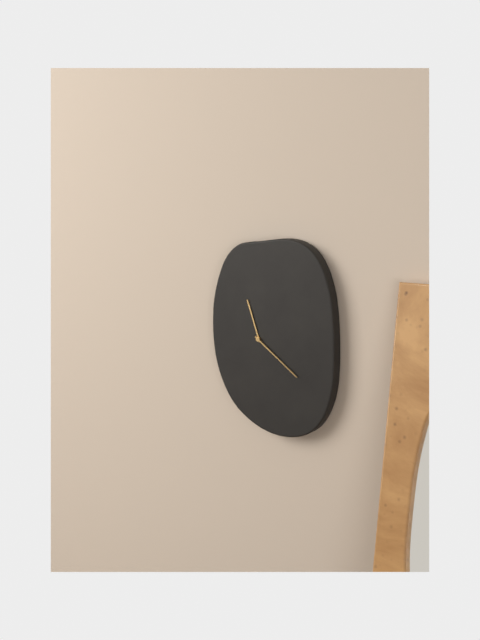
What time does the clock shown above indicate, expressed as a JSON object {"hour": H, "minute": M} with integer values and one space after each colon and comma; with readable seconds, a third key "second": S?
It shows {"hour": 11, "minute": 21}
